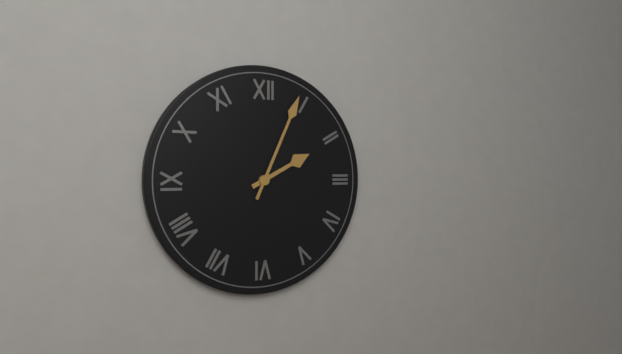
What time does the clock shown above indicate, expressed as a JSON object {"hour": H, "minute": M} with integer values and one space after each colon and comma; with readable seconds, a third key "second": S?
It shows {"hour": 2, "minute": 4}
